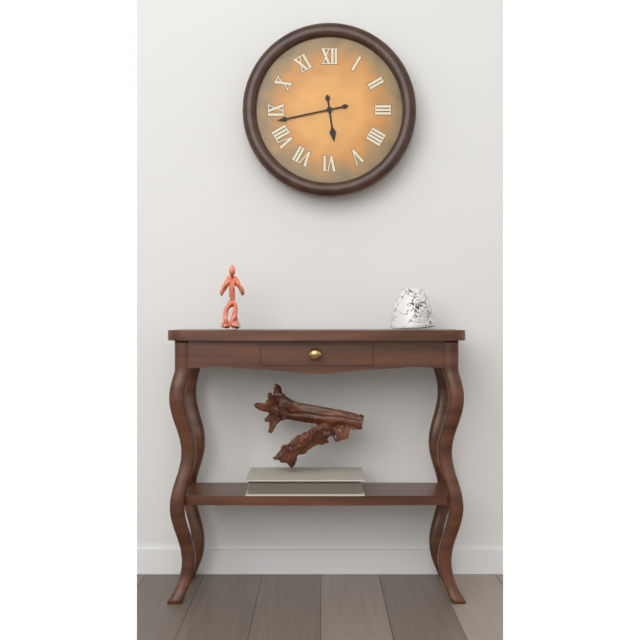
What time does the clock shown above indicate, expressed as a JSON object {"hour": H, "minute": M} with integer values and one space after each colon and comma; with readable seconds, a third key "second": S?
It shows {"hour": 5, "minute": 43}
